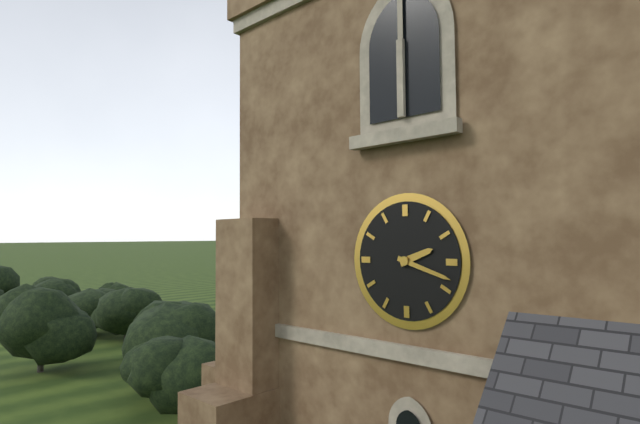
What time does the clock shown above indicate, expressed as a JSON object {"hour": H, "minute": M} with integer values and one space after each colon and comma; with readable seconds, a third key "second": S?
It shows {"hour": 2, "minute": 18}
